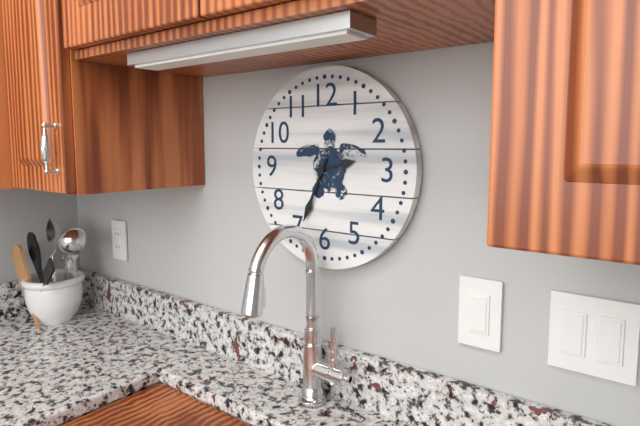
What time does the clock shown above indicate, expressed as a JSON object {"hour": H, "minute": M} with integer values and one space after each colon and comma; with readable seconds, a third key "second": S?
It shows {"hour": 2, "minute": 34}
